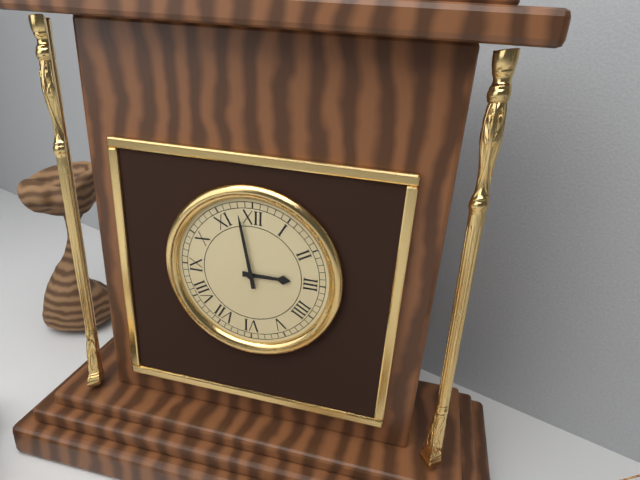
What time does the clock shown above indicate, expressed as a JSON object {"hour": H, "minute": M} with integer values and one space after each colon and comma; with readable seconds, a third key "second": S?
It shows {"hour": 2, "minute": 58}
